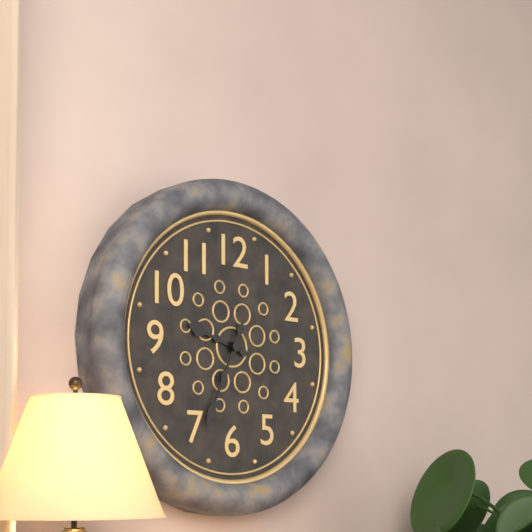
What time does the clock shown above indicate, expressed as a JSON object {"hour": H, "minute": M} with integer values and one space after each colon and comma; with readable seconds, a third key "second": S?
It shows {"hour": 9, "minute": 34}
